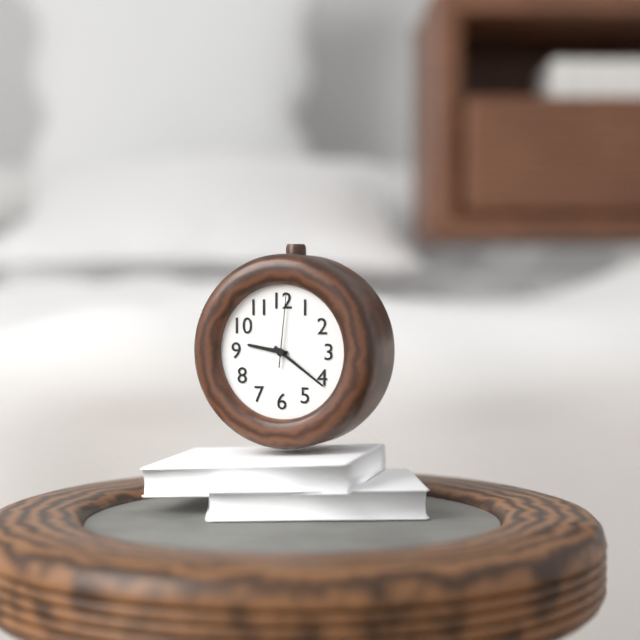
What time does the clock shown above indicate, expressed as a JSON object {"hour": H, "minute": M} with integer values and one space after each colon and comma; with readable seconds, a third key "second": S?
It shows {"hour": 9, "minute": 21, "second": 1}
